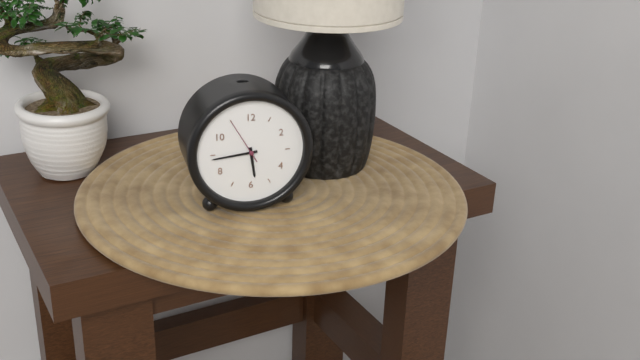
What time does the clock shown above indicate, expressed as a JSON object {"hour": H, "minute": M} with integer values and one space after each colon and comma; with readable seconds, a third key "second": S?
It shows {"hour": 5, "minute": 44}
